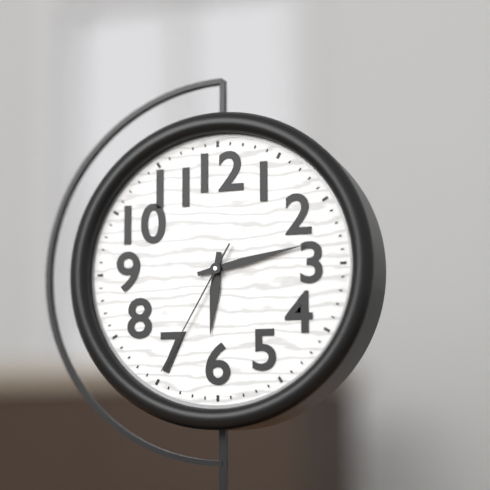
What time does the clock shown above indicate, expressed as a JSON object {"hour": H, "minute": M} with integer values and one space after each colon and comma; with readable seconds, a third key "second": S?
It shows {"hour": 6, "minute": 13, "second": 35}
